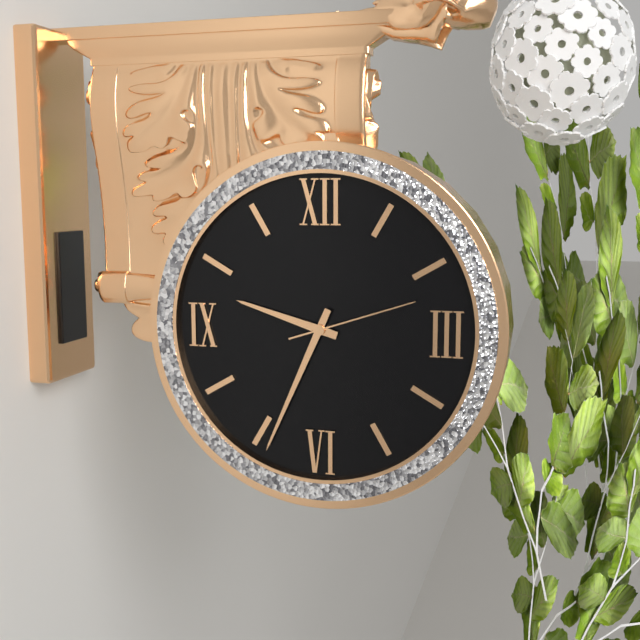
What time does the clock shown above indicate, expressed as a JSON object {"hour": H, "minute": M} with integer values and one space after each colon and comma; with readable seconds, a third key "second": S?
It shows {"hour": 9, "minute": 34, "second": 12}
